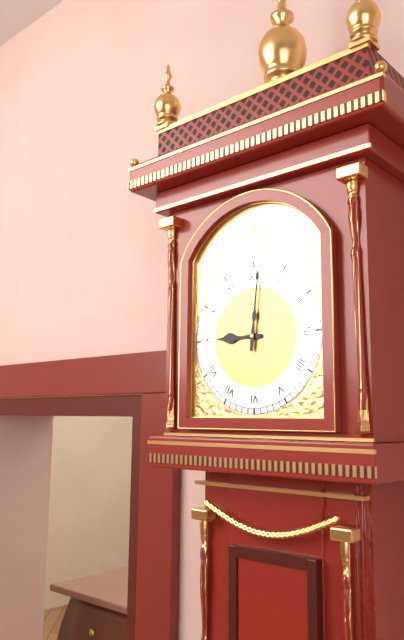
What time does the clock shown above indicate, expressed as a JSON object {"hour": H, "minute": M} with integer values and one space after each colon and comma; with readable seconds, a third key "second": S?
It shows {"hour": 9, "minute": 1}
